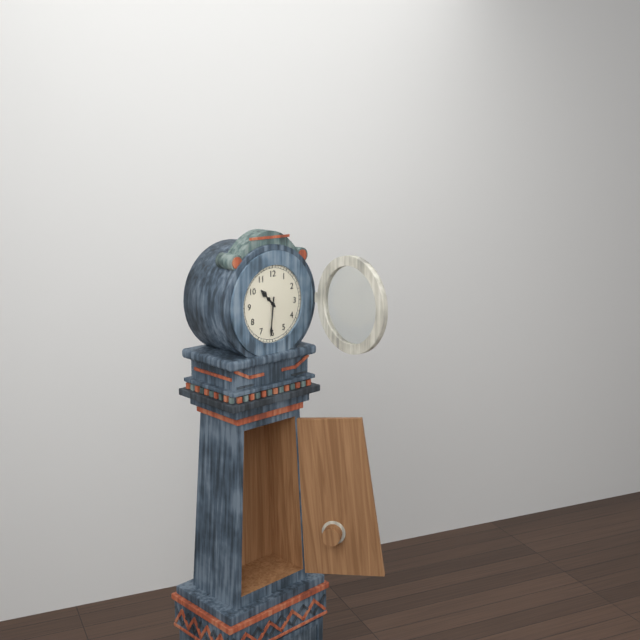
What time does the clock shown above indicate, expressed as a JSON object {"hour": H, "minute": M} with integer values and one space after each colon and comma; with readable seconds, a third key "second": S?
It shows {"hour": 10, "minute": 31}
